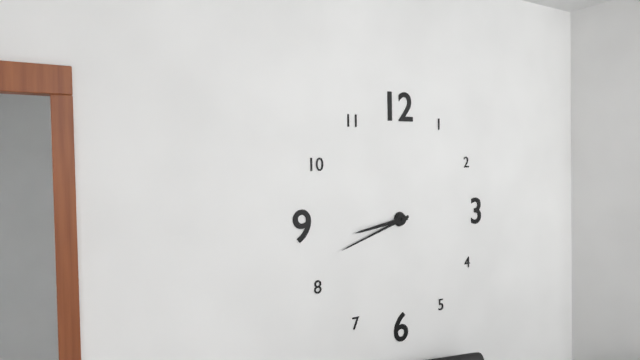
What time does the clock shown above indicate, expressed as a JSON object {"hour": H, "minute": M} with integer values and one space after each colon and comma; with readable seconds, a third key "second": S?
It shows {"hour": 8, "minute": 42}
